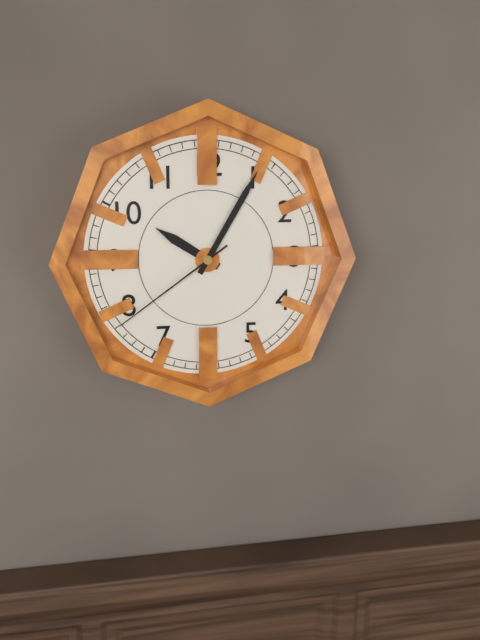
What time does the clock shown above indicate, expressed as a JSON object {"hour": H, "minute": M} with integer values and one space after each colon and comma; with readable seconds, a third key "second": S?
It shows {"hour": 10, "minute": 5, "second": 39}
